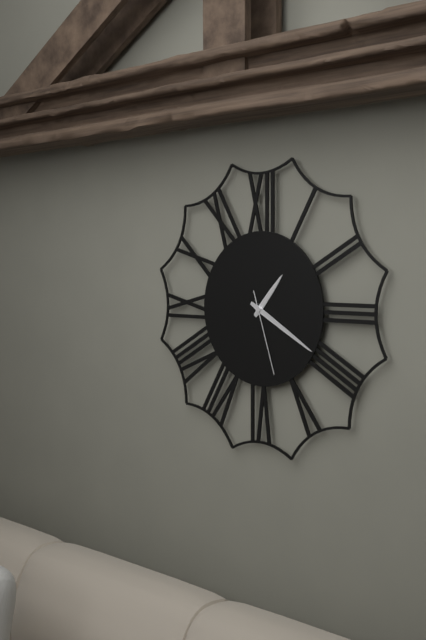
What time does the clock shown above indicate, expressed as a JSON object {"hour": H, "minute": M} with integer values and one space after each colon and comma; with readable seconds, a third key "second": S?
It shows {"hour": 1, "minute": 20, "second": 27}
